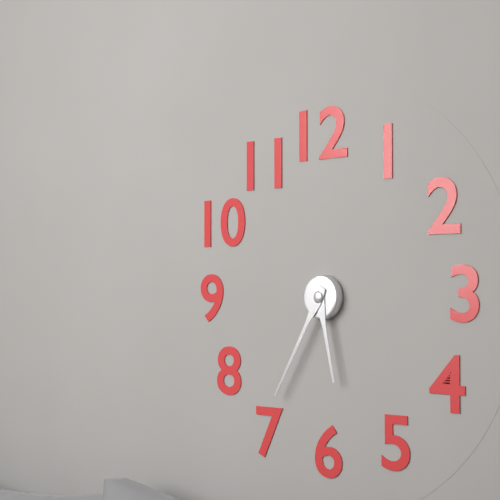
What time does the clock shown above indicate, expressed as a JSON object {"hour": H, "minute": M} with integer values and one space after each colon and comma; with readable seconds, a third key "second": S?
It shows {"hour": 5, "minute": 35}
